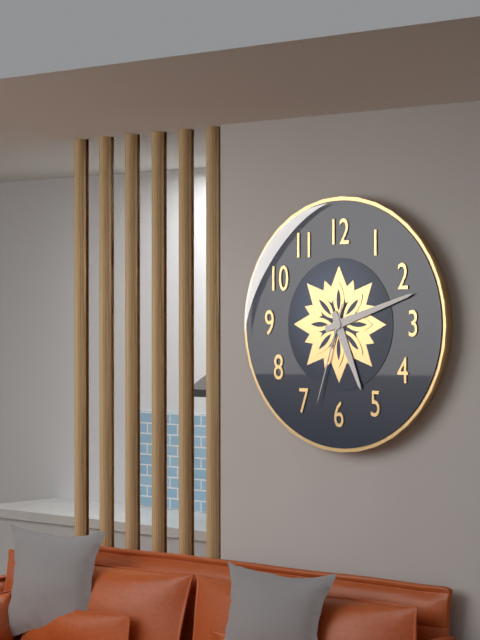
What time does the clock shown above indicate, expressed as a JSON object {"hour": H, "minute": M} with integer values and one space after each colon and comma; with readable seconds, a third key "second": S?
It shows {"hour": 5, "minute": 12, "second": 33}
